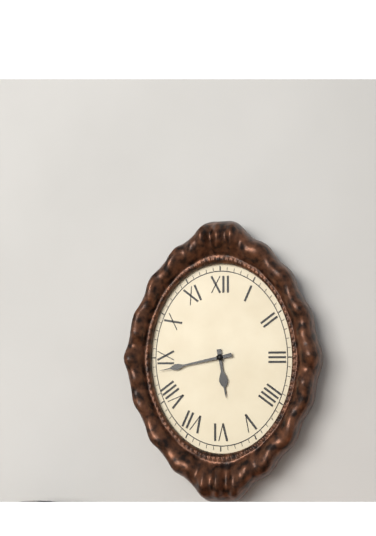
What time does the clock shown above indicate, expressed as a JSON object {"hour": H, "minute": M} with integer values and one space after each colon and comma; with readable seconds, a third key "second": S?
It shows {"hour": 5, "minute": 43}
